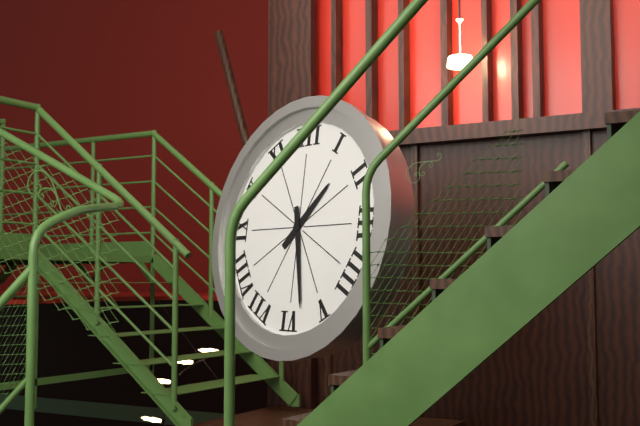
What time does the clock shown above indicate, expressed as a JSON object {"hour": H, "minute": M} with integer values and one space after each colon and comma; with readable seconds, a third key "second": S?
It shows {"hour": 1, "minute": 28}
